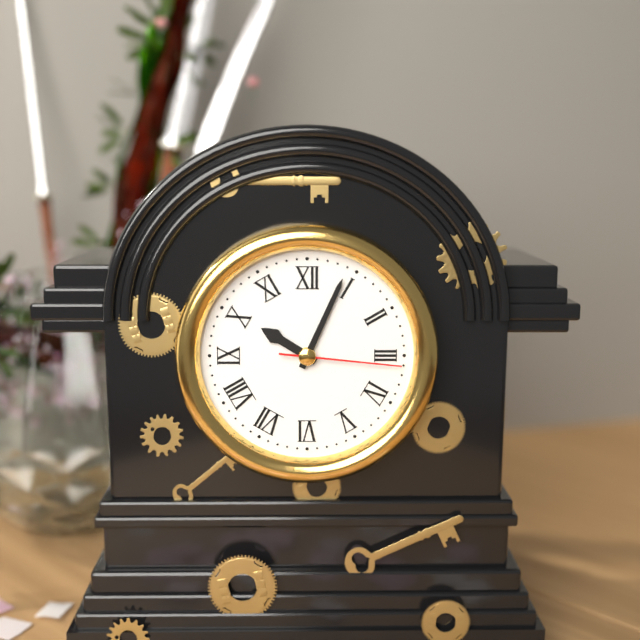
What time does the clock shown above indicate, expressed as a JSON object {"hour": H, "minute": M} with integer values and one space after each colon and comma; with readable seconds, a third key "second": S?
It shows {"hour": 10, "minute": 4, "second": 16}
